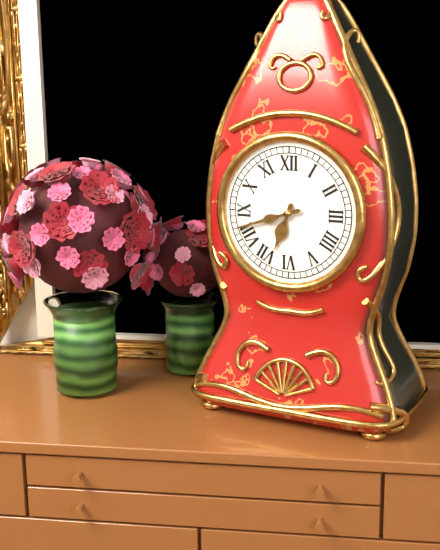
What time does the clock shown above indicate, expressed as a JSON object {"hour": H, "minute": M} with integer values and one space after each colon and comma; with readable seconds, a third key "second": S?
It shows {"hour": 6, "minute": 42}
